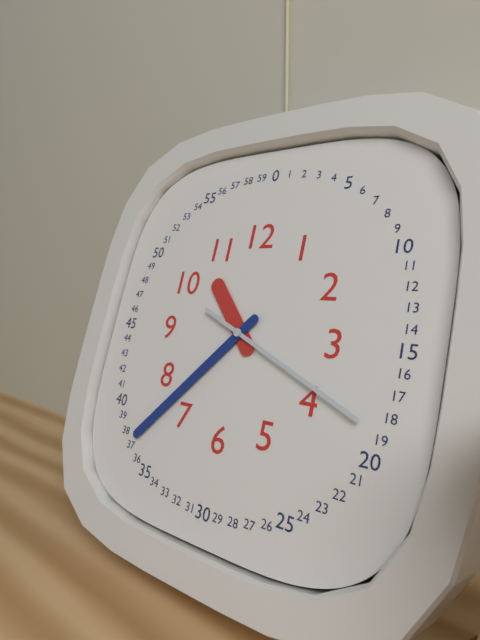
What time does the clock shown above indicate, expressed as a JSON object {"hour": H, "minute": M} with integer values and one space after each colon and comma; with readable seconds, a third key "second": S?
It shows {"hour": 10, "minute": 37, "second": 19}
